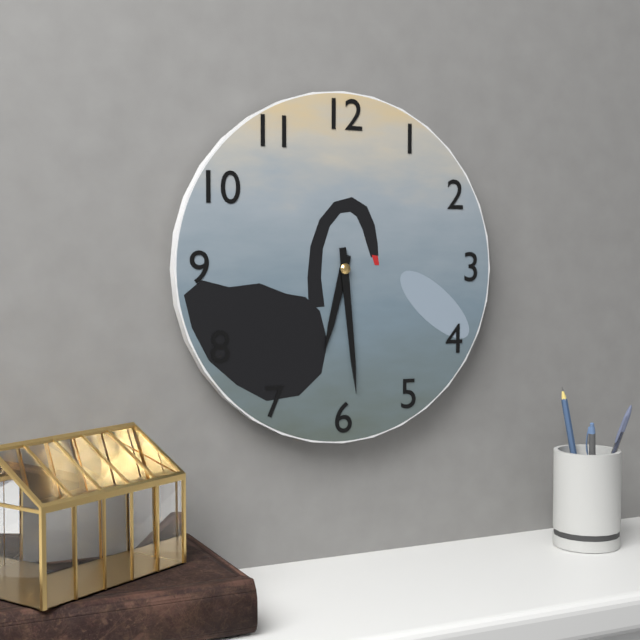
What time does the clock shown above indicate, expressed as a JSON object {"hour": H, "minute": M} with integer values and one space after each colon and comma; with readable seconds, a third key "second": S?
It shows {"hour": 6, "minute": 29}
